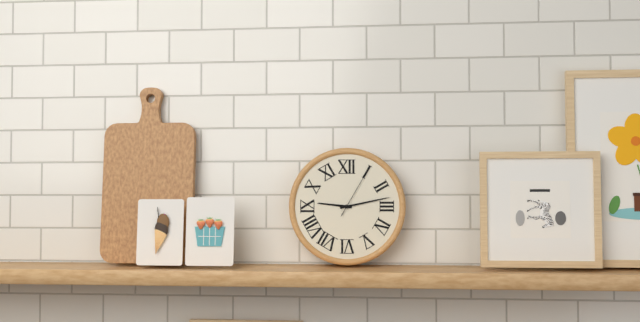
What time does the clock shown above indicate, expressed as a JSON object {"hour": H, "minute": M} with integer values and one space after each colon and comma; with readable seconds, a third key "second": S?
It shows {"hour": 9, "minute": 13, "second": 5}
